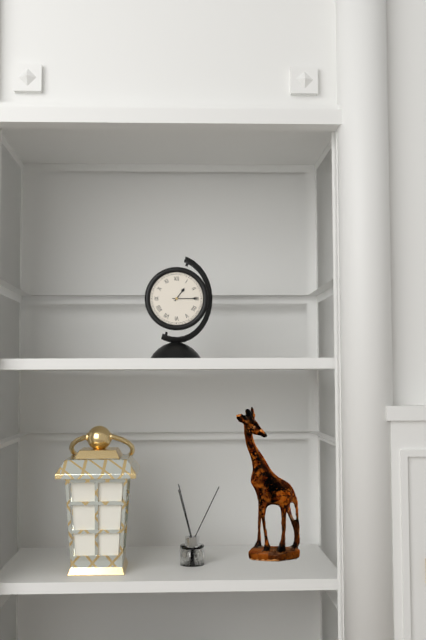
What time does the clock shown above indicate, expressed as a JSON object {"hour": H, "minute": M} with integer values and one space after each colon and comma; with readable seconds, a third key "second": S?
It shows {"hour": 1, "minute": 15}
